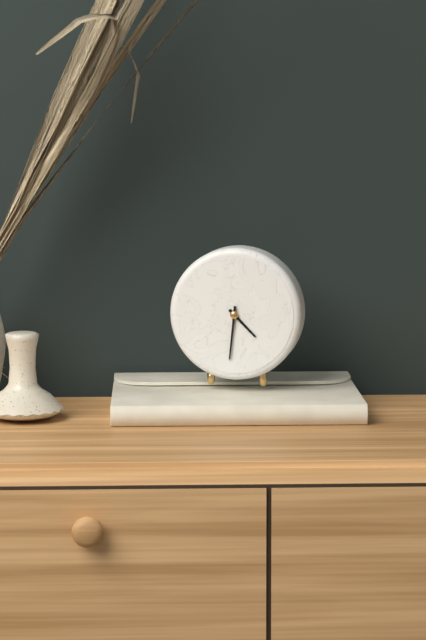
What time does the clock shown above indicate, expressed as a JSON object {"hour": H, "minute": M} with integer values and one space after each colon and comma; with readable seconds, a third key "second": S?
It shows {"hour": 4, "minute": 31}
